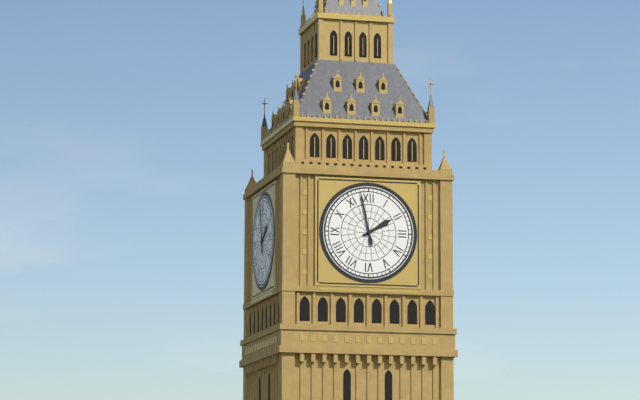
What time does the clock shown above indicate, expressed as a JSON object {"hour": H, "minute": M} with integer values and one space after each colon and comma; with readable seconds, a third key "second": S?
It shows {"hour": 1, "minute": 58}
